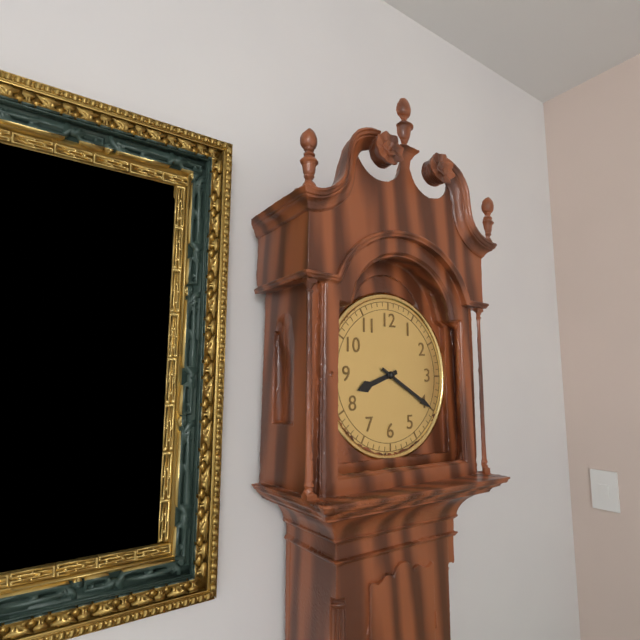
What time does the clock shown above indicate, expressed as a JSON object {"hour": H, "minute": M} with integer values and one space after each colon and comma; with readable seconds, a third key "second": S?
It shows {"hour": 8, "minute": 20}
